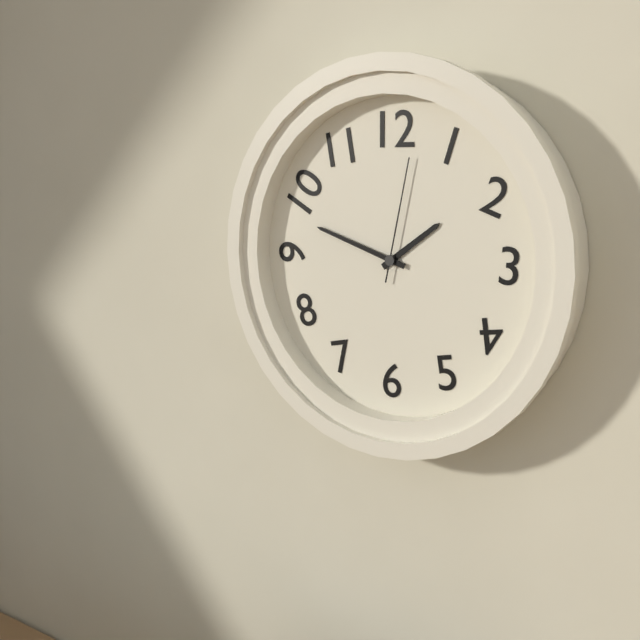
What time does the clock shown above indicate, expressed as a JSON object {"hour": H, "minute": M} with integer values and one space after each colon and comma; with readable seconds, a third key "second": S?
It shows {"hour": 1, "minute": 48, "second": 2}
